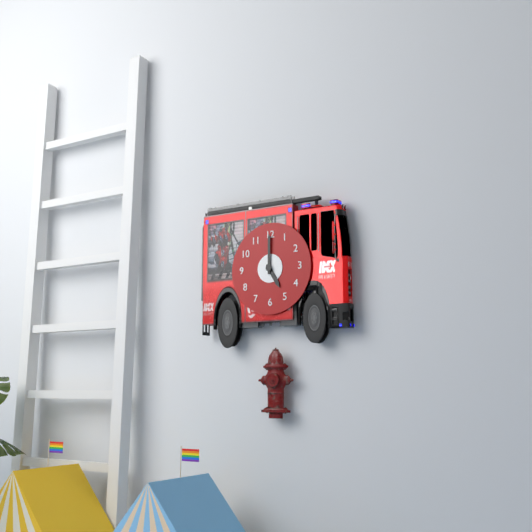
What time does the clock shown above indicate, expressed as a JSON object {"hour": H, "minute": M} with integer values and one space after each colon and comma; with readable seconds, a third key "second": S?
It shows {"hour": 5, "minute": 0}
